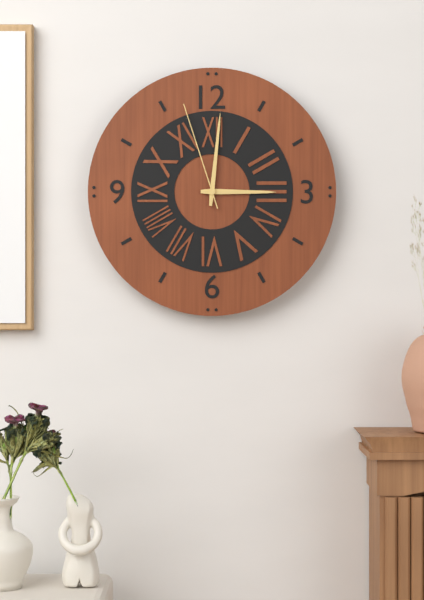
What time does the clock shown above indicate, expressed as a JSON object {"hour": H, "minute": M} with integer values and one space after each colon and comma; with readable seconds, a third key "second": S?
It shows {"hour": 3, "minute": 1, "second": 57}
